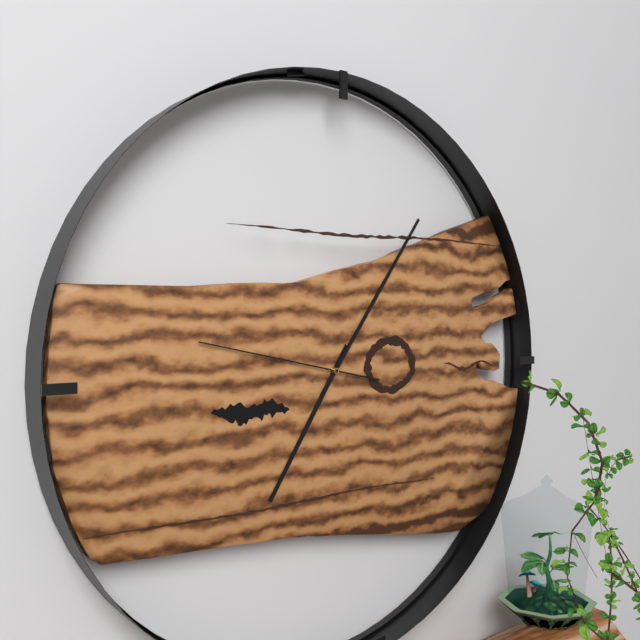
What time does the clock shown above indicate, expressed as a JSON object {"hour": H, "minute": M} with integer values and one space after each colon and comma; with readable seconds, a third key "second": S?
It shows {"hour": 7, "minute": 6, "second": 47}
